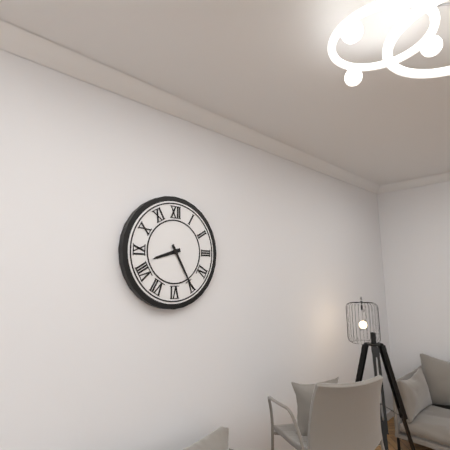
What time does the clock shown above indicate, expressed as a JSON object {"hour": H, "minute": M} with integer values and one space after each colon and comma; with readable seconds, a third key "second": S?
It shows {"hour": 8, "minute": 25}
